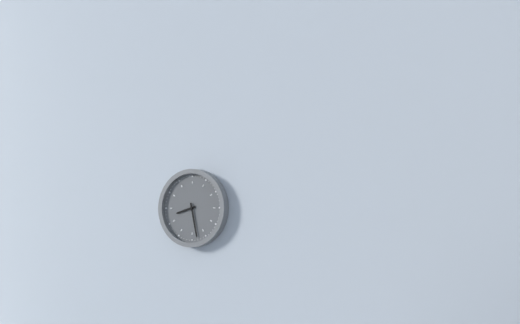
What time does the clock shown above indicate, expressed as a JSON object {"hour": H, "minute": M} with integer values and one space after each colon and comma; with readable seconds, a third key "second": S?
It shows {"hour": 8, "minute": 28}
